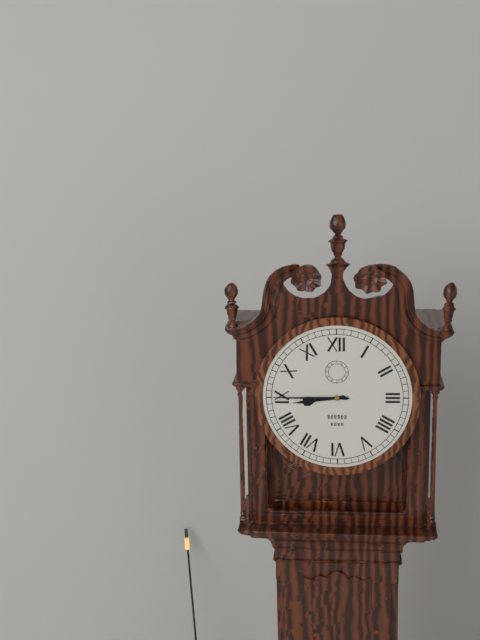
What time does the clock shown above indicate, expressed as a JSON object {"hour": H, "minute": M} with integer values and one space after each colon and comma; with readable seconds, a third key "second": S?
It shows {"hour": 8, "minute": 45}
